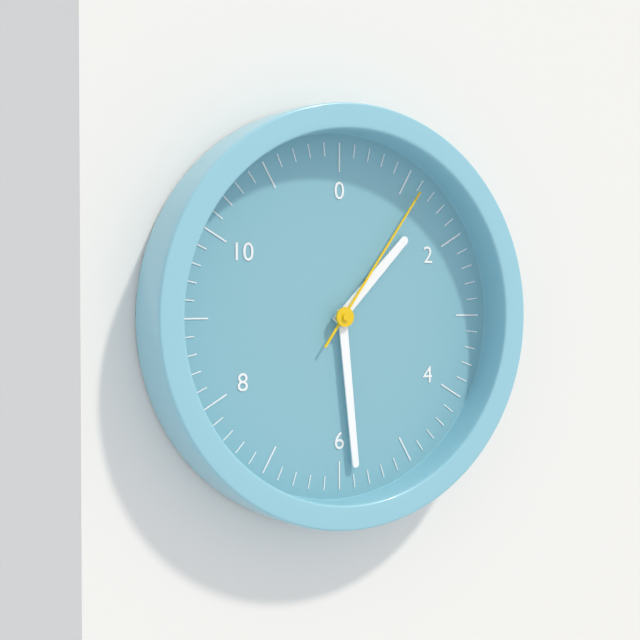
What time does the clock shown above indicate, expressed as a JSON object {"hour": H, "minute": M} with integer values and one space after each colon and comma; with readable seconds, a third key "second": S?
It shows {"hour": 1, "minute": 29, "second": 6}
